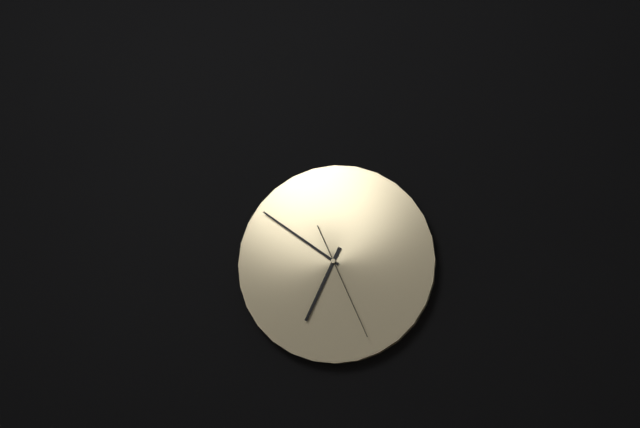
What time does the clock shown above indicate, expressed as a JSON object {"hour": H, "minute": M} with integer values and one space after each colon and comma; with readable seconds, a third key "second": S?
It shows {"hour": 6, "minute": 51, "second": 26}
